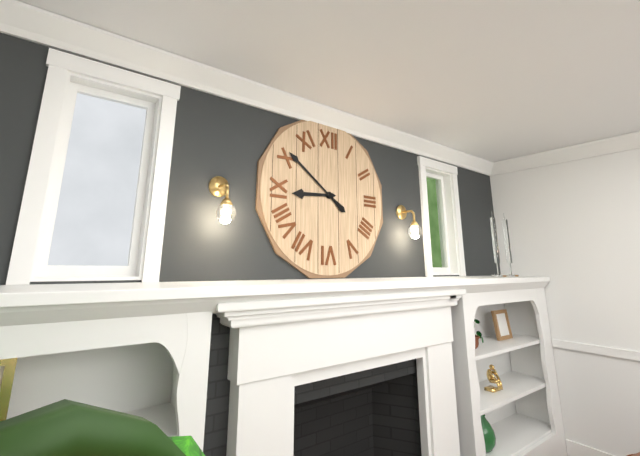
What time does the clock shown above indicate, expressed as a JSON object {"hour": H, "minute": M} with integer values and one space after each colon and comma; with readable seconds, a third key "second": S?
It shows {"hour": 8, "minute": 51}
